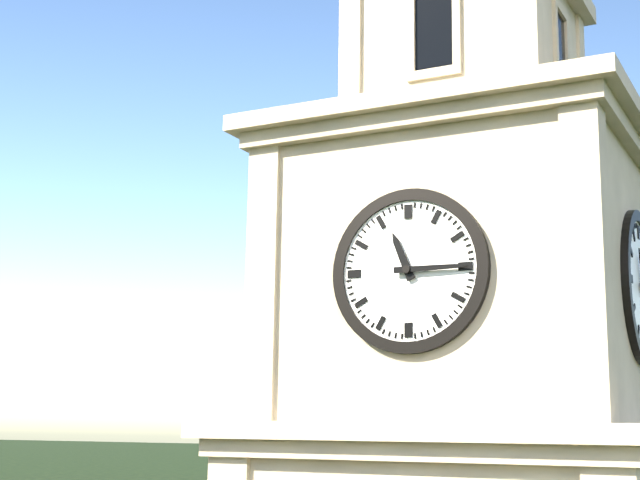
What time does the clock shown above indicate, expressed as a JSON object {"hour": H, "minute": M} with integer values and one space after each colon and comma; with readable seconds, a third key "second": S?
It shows {"hour": 11, "minute": 15}
